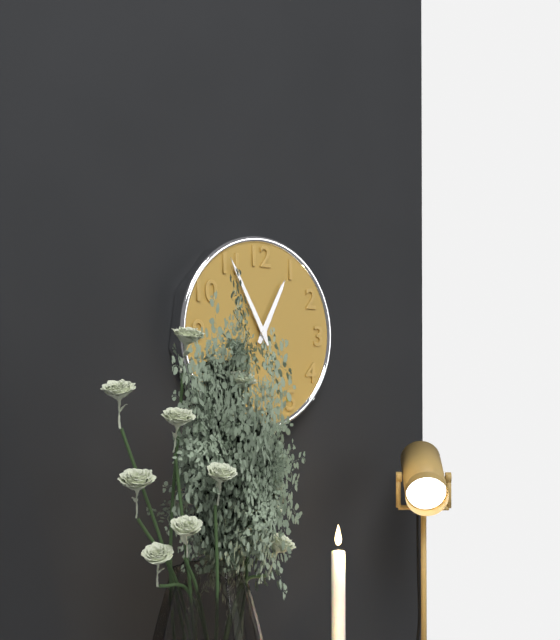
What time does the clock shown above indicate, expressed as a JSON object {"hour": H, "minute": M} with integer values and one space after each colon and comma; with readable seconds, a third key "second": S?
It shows {"hour": 12, "minute": 55}
